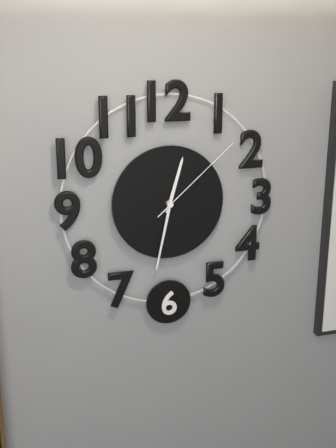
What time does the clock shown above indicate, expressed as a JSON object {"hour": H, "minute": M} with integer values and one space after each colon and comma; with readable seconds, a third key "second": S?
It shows {"hour": 12, "minute": 32, "second": 8}
